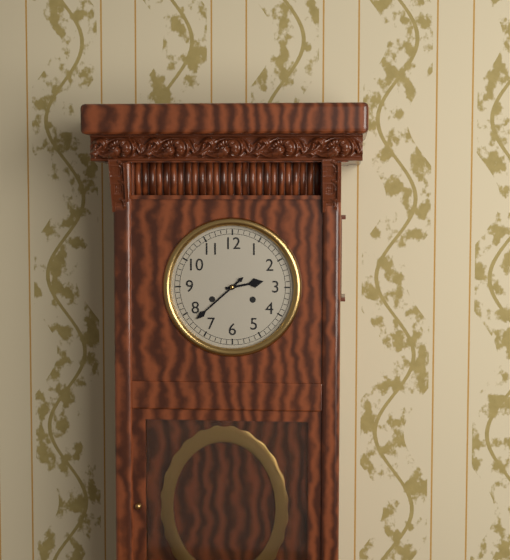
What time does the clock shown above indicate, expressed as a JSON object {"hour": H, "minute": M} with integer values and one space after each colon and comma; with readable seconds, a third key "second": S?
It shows {"hour": 2, "minute": 38}
